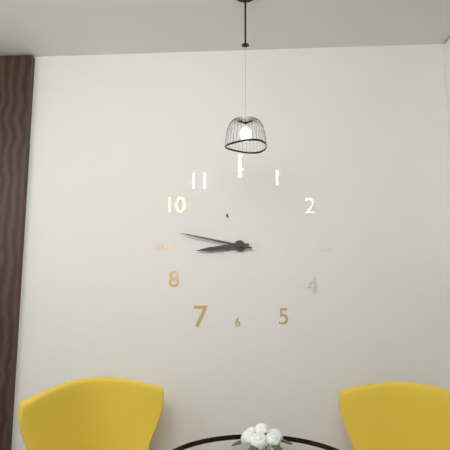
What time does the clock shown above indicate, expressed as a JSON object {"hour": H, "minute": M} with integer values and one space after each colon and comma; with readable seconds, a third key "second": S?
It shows {"hour": 8, "minute": 47}
